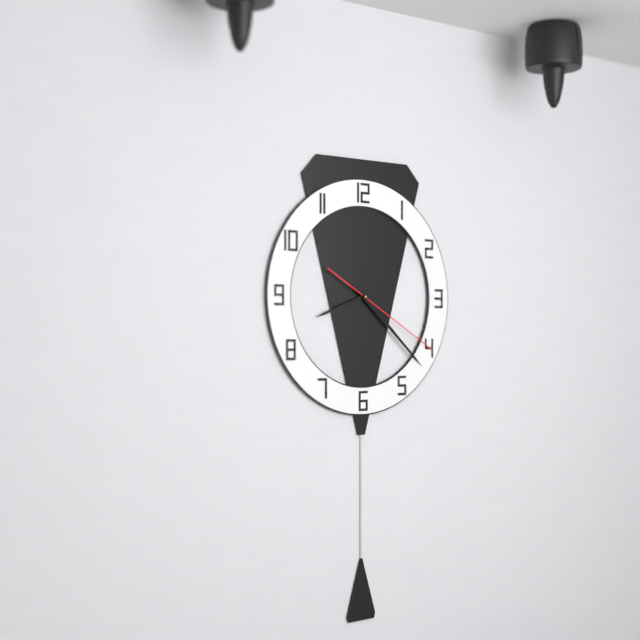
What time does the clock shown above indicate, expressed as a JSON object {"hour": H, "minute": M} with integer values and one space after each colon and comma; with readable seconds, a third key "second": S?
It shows {"hour": 8, "minute": 22, "second": 20}
